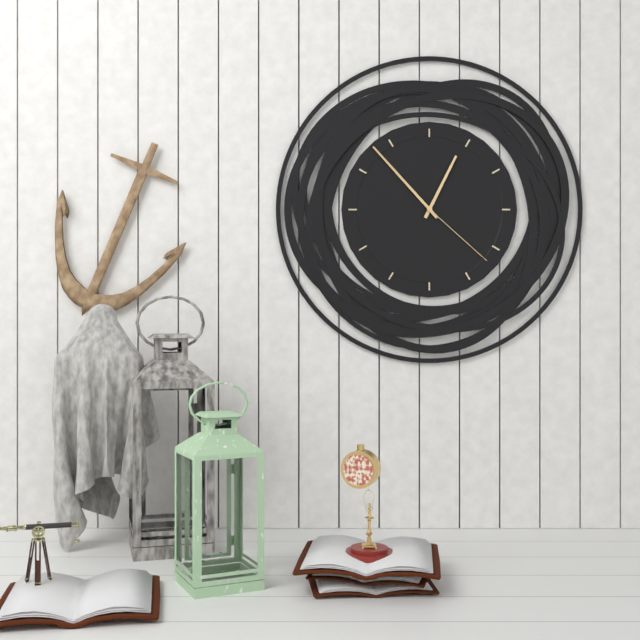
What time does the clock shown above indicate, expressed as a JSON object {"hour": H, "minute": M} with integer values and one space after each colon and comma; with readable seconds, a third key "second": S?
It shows {"hour": 12, "minute": 53, "second": 22}
